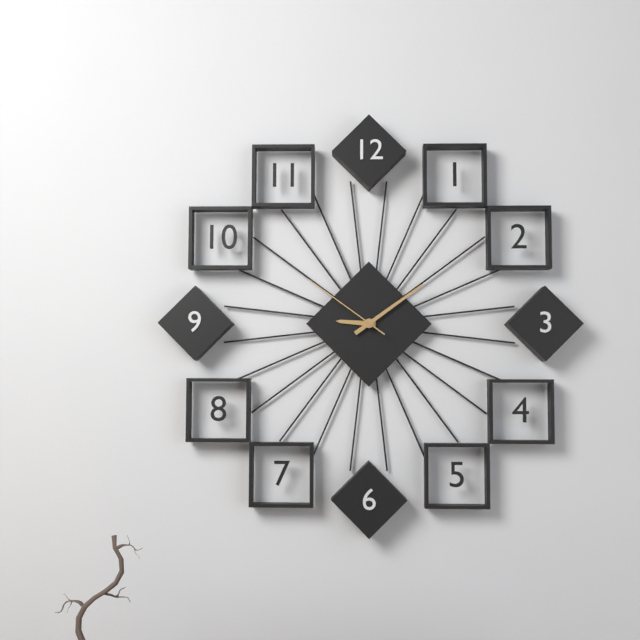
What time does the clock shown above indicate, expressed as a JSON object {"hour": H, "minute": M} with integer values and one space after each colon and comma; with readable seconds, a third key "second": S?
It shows {"hour": 9, "minute": 9, "second": 51}
